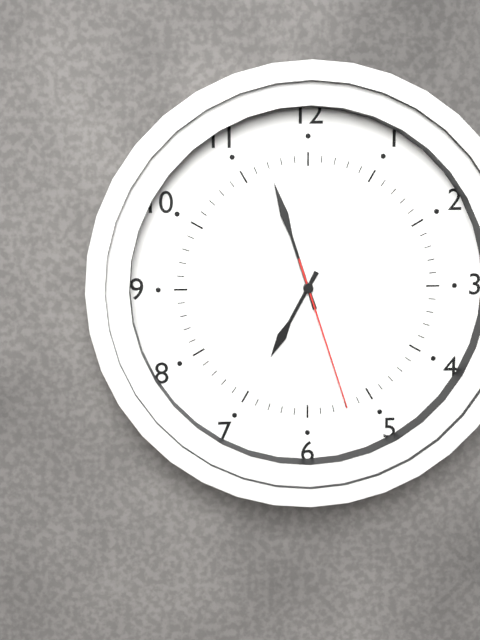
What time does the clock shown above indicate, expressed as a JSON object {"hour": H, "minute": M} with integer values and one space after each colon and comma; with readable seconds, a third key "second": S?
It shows {"hour": 6, "minute": 57, "second": 27}
